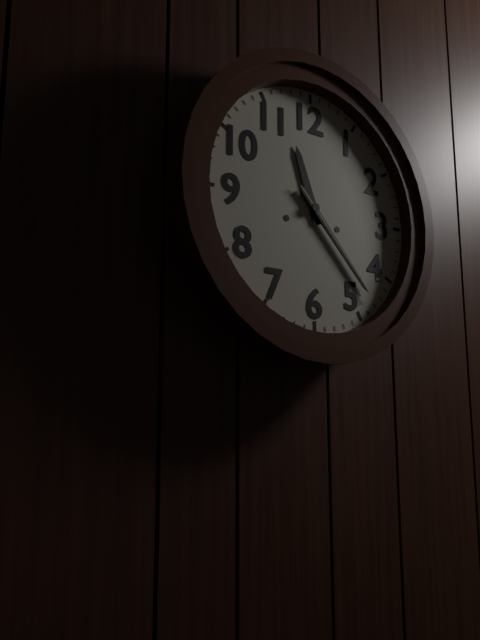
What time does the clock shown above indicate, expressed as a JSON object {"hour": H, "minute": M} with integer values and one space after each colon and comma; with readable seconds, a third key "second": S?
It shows {"hour": 11, "minute": 23, "second": 23}
